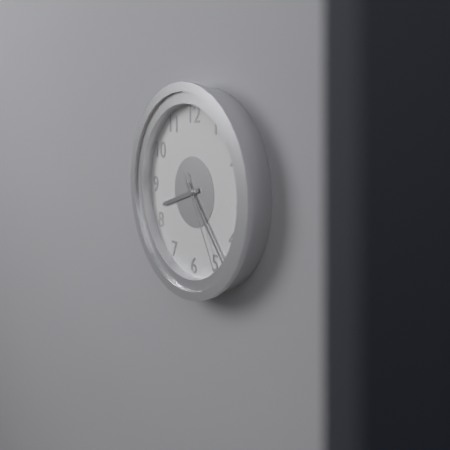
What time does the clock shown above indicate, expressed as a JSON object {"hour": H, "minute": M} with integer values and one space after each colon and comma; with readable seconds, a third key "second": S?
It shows {"hour": 8, "minute": 23, "second": 25}
